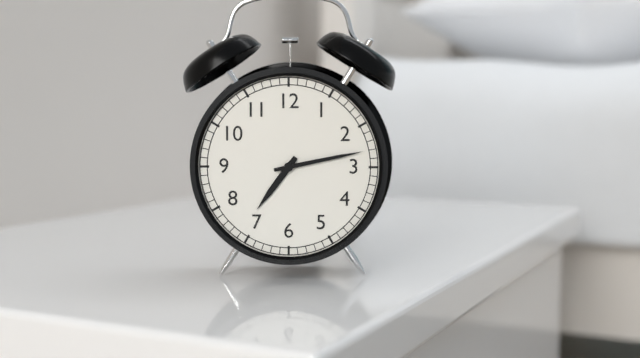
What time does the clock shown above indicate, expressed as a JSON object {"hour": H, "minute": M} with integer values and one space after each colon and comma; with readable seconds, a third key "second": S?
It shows {"hour": 7, "minute": 13}
